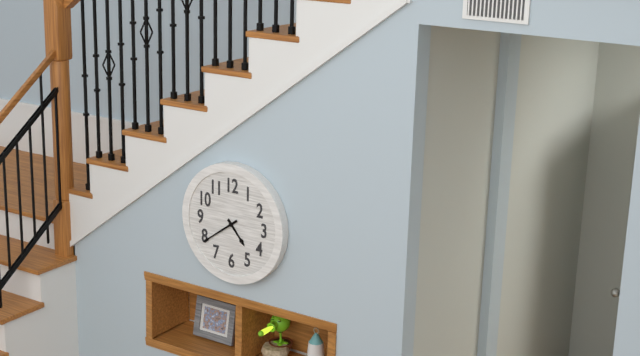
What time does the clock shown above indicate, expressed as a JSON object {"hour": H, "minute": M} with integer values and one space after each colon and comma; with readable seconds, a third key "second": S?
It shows {"hour": 4, "minute": 39}
